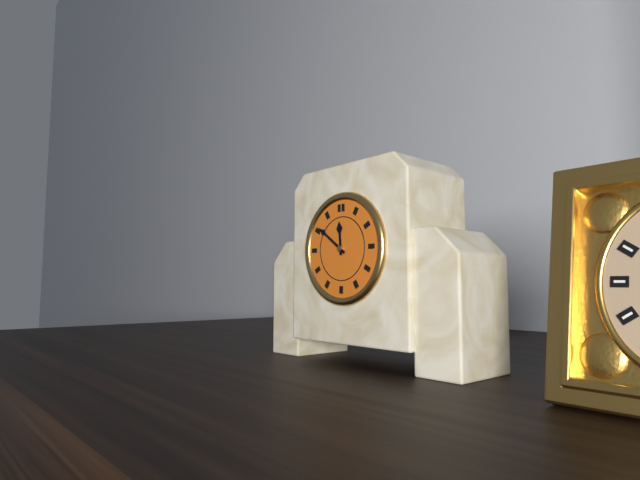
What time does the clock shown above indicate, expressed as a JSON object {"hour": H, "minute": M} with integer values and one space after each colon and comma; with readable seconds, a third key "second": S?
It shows {"hour": 11, "minute": 51}
